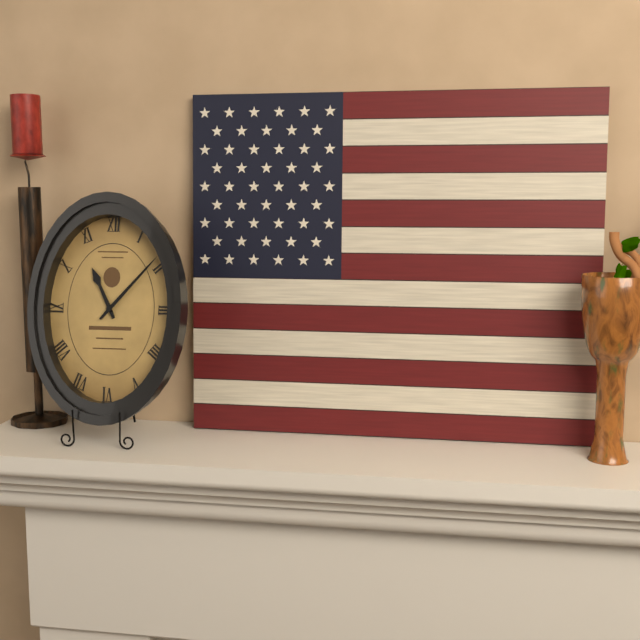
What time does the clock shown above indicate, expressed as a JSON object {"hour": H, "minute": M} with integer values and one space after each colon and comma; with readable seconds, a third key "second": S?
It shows {"hour": 11, "minute": 7}
